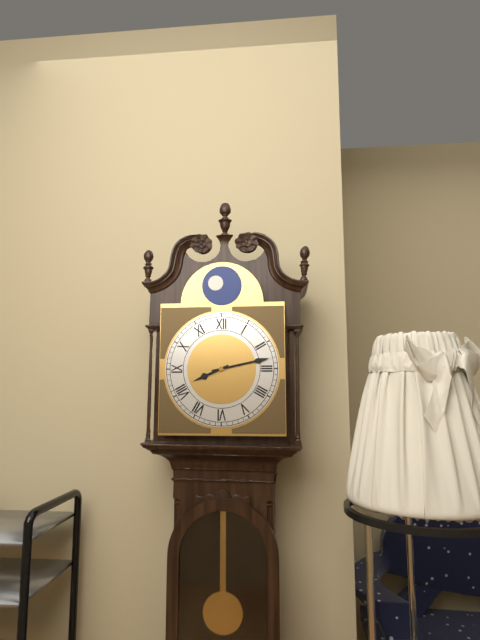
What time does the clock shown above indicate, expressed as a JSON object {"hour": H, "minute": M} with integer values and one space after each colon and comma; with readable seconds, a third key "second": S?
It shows {"hour": 8, "minute": 13}
